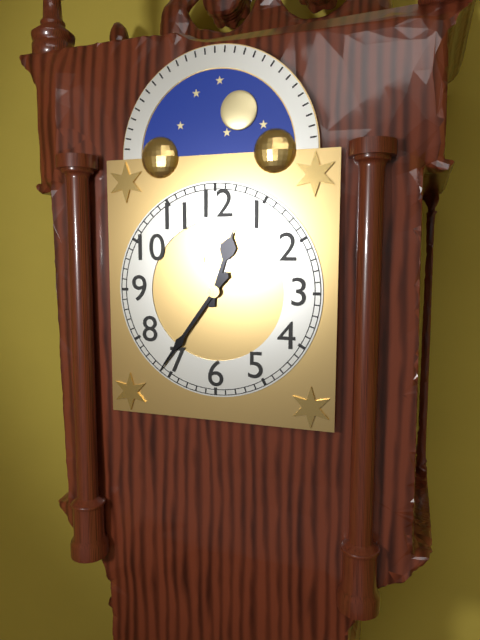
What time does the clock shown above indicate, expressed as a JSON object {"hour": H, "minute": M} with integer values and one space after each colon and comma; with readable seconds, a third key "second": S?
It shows {"hour": 12, "minute": 36}
